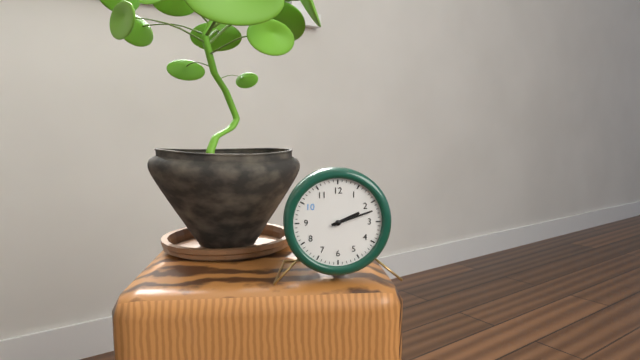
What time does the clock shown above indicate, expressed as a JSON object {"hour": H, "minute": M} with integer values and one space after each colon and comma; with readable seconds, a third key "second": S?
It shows {"hour": 2, "minute": 12}
